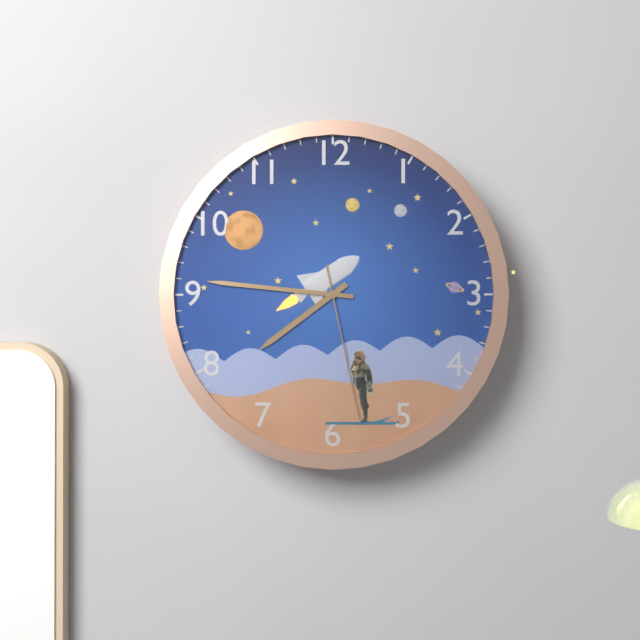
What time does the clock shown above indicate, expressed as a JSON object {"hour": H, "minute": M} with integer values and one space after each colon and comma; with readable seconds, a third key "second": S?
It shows {"hour": 7, "minute": 46, "second": 28}
